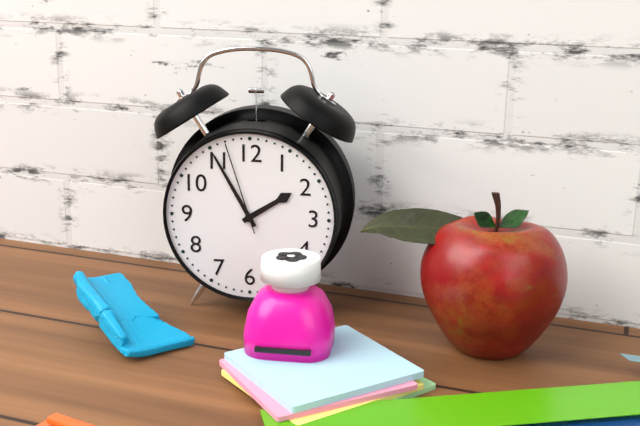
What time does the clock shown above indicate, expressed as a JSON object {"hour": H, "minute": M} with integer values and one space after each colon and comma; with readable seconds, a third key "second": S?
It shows {"hour": 1, "minute": 55, "second": 57}
